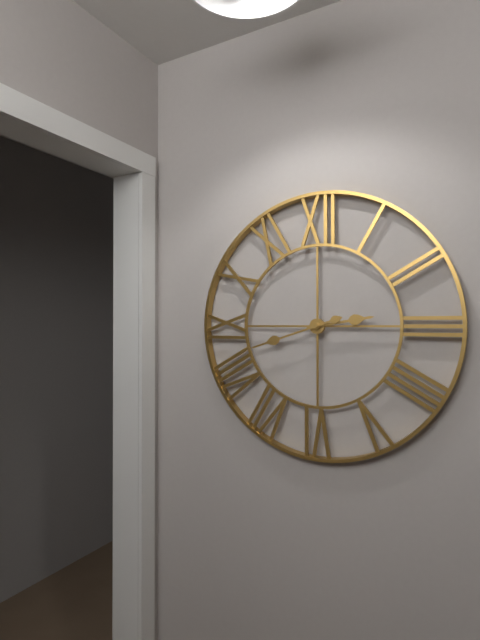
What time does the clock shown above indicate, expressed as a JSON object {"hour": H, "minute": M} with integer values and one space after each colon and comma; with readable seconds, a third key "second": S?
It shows {"hour": 2, "minute": 42}
